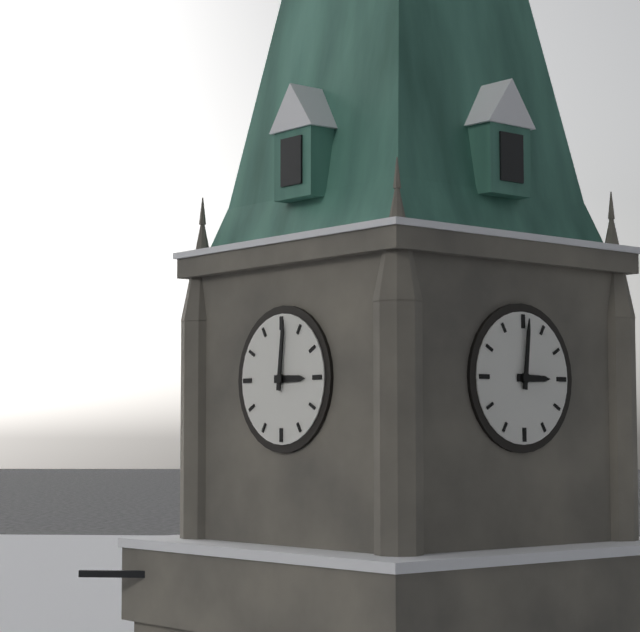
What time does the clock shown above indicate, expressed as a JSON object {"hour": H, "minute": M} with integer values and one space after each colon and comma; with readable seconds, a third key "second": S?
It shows {"hour": 3, "minute": 1}
